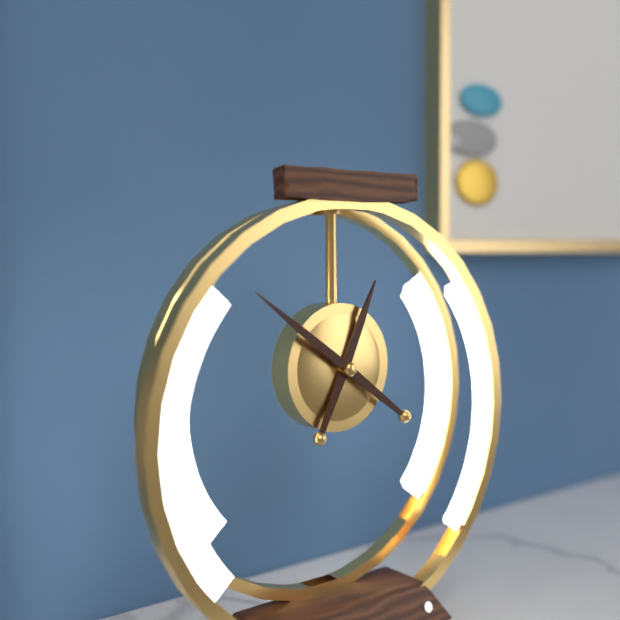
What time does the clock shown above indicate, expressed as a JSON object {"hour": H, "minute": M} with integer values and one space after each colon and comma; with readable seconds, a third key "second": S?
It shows {"hour": 12, "minute": 51}
